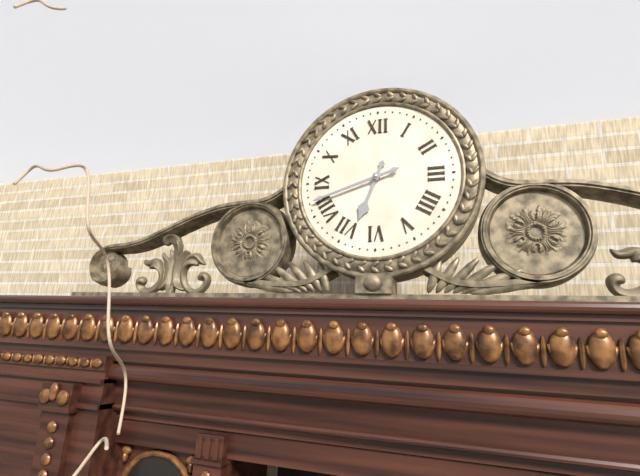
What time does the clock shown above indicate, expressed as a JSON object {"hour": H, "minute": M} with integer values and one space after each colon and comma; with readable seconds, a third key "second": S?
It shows {"hour": 6, "minute": 42}
